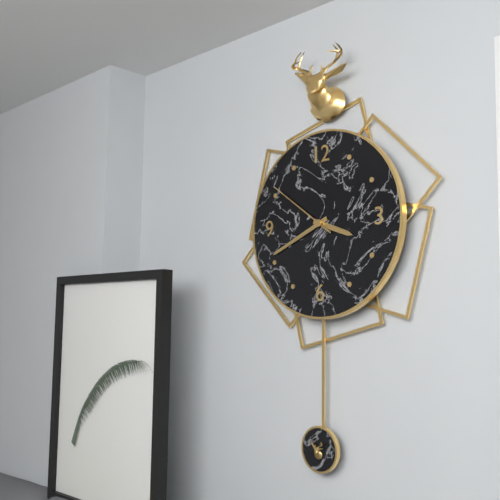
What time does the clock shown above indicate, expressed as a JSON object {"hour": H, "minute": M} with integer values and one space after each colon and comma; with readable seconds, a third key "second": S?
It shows {"hour": 3, "minute": 41, "second": 51}
